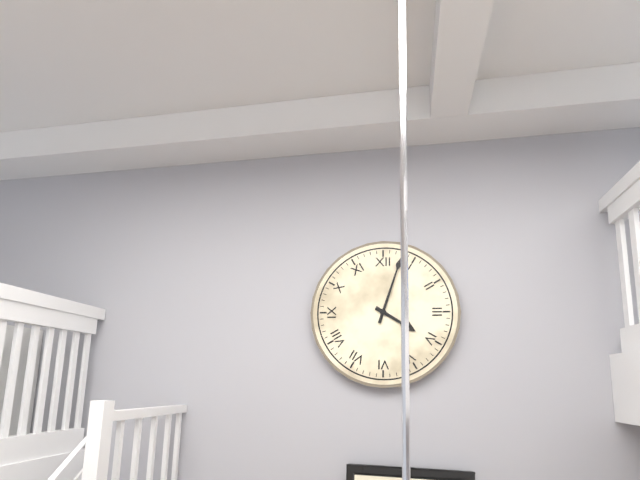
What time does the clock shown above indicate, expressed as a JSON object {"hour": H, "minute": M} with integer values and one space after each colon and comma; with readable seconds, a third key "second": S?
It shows {"hour": 4, "minute": 3}
